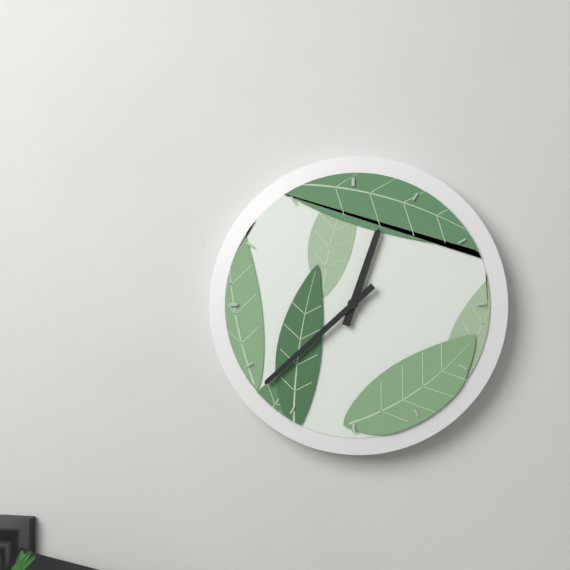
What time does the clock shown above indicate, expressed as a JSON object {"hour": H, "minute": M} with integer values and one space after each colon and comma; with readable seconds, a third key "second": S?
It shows {"hour": 12, "minute": 38}
